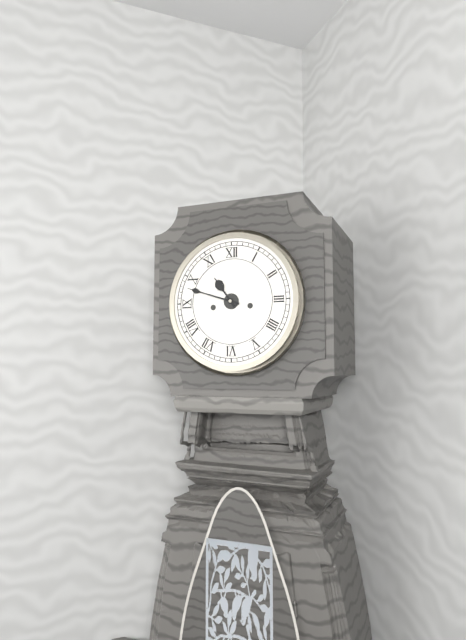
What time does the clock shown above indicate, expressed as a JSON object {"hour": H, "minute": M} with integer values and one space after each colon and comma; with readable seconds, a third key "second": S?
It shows {"hour": 10, "minute": 48}
